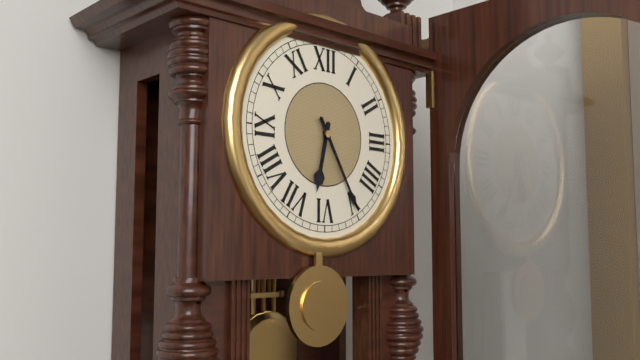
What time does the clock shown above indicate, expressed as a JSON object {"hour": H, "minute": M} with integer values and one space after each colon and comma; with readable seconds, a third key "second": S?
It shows {"hour": 6, "minute": 25}
